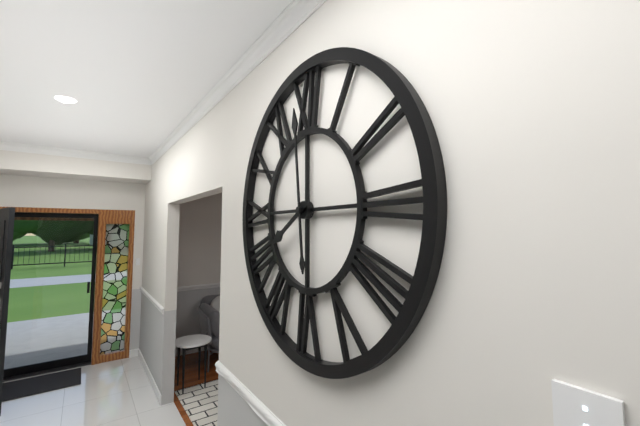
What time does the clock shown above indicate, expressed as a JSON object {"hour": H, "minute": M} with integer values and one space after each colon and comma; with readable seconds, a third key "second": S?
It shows {"hour": 7, "minute": 59}
